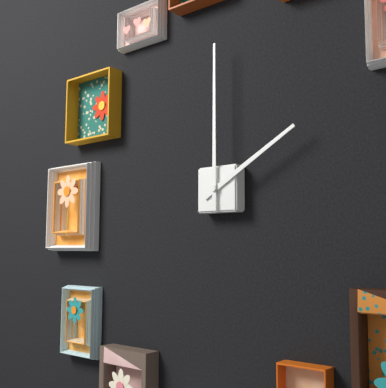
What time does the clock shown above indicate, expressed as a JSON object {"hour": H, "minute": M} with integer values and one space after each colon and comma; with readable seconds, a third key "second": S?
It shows {"hour": 2, "minute": 0}
